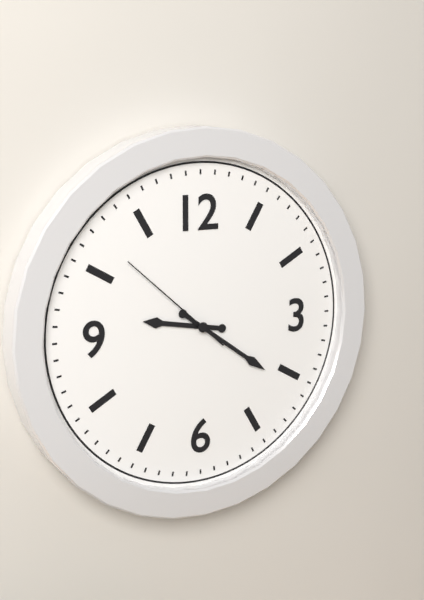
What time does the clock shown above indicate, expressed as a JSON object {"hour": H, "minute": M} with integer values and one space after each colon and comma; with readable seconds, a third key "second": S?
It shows {"hour": 9, "minute": 21, "second": 52}
